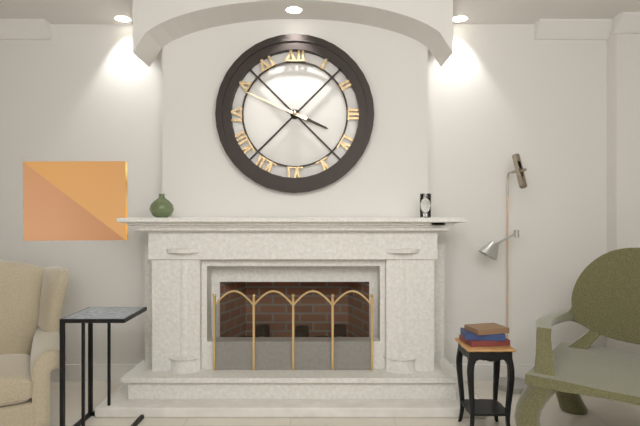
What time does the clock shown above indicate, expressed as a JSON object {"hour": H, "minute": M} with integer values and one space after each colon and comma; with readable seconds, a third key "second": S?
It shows {"hour": 3, "minute": 49}
